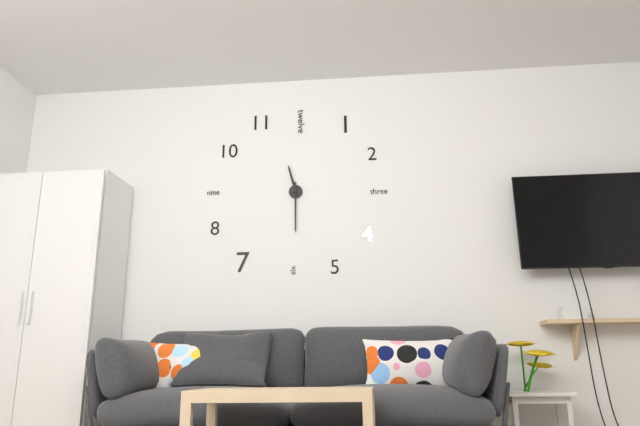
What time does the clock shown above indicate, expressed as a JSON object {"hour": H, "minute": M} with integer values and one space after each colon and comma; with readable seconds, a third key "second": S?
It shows {"hour": 11, "minute": 30}
